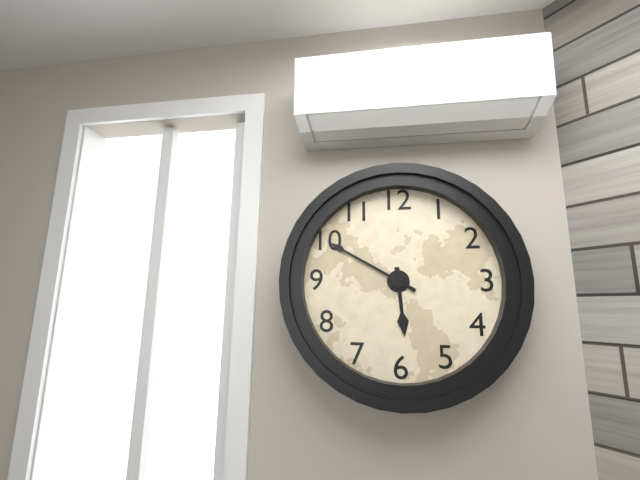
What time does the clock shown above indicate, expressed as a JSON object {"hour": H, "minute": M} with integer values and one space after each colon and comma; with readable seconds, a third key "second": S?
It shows {"hour": 5, "minute": 50}
